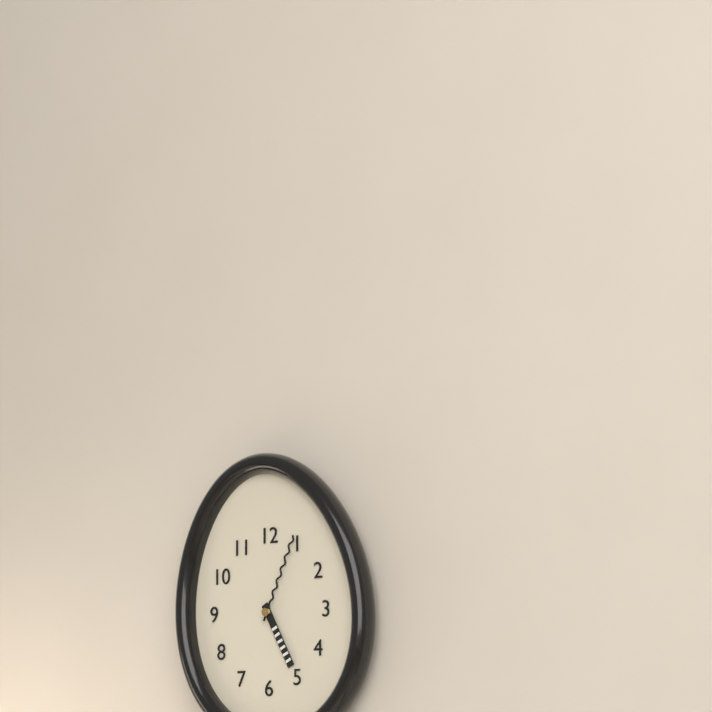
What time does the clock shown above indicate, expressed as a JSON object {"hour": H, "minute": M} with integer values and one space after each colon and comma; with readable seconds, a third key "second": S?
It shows {"hour": 5, "minute": 4}
